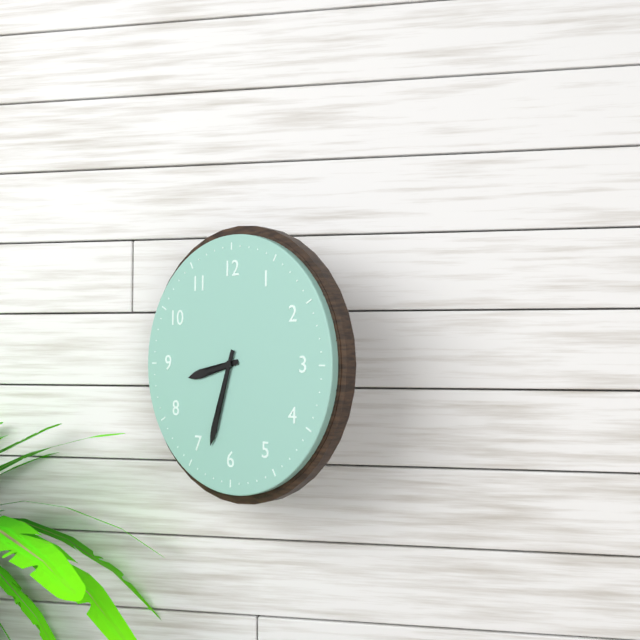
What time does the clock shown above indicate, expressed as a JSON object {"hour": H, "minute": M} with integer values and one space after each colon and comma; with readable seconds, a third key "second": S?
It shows {"hour": 8, "minute": 33}
